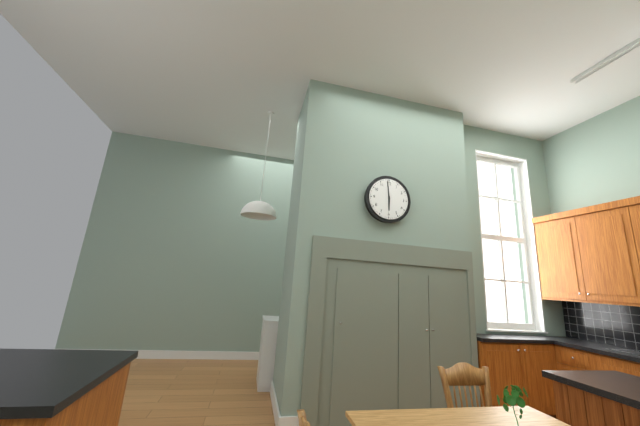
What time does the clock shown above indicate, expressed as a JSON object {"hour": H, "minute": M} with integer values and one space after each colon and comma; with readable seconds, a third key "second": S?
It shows {"hour": 5, "minute": 59}
